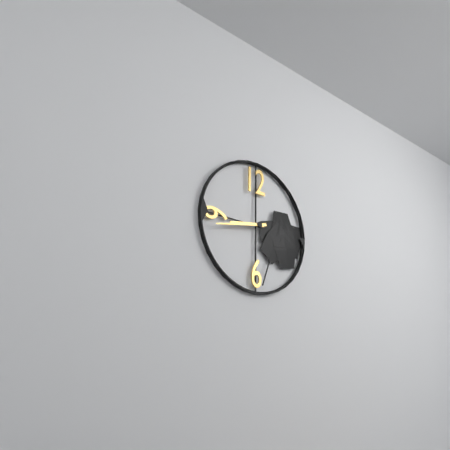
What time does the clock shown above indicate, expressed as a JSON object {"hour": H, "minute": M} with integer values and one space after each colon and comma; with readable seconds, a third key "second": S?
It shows {"hour": 8, "minute": 43}
